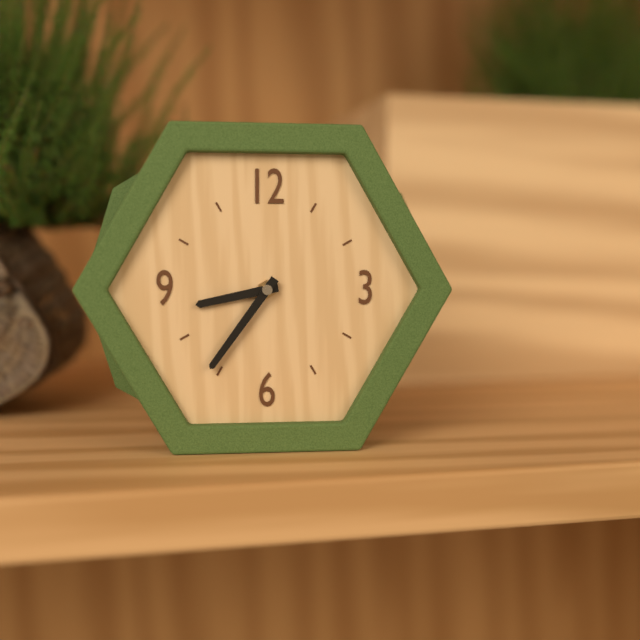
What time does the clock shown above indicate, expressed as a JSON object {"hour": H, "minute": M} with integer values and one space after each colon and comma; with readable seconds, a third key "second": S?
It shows {"hour": 8, "minute": 36}
